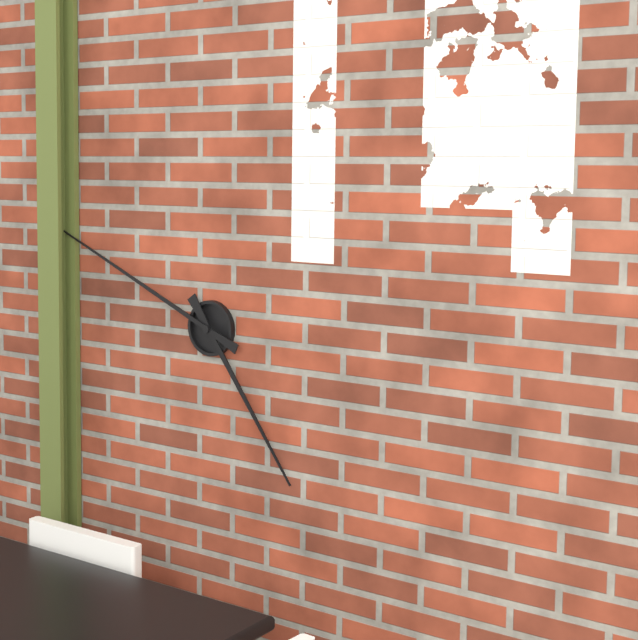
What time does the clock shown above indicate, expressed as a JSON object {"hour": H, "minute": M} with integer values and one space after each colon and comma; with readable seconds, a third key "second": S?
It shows {"hour": 4, "minute": 49}
